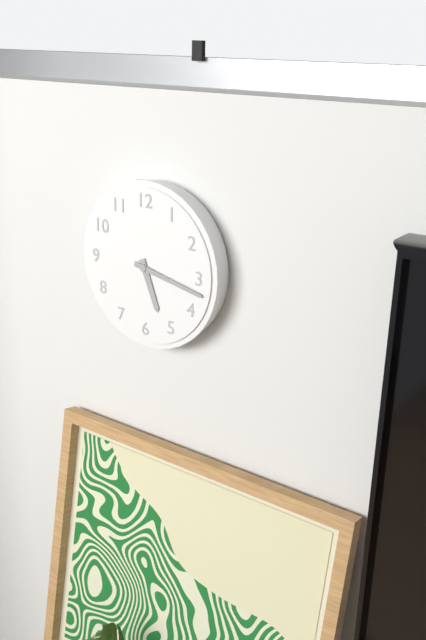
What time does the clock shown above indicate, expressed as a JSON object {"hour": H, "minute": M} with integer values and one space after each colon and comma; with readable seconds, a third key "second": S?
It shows {"hour": 5, "minute": 17}
